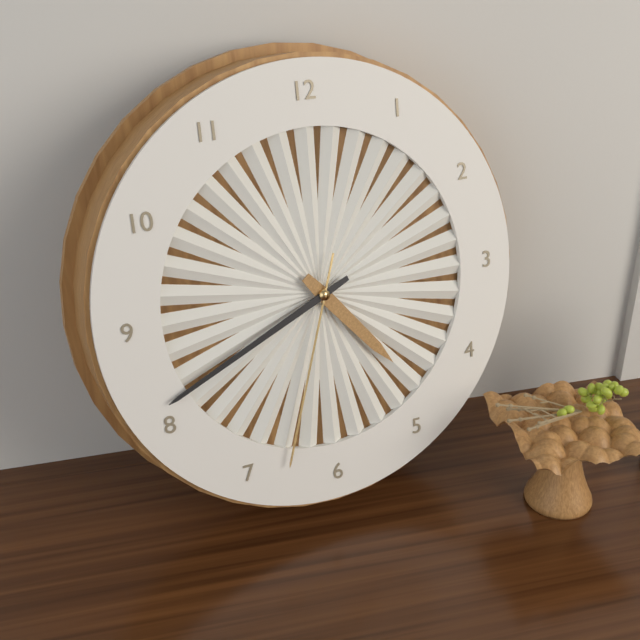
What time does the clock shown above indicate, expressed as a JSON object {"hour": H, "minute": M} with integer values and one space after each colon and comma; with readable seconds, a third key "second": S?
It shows {"hour": 4, "minute": 41, "second": 33}
